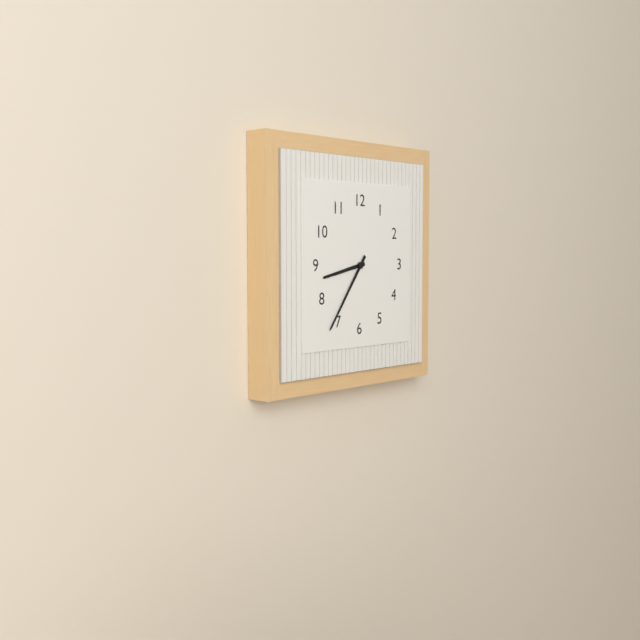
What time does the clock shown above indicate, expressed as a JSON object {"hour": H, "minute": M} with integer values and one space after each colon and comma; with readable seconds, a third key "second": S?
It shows {"hour": 8, "minute": 36}
